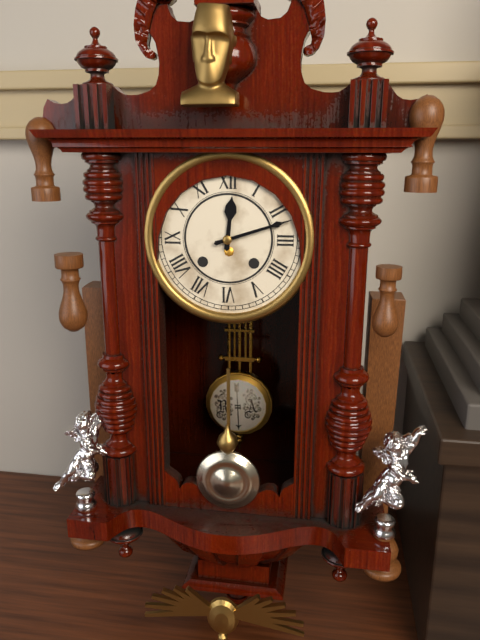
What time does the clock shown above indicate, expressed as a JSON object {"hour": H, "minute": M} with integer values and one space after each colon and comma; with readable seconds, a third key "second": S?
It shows {"hour": 12, "minute": 12}
